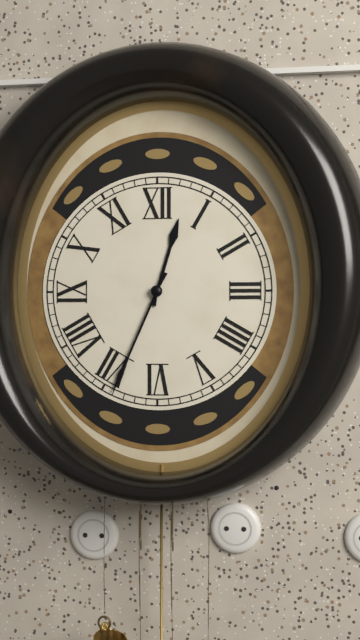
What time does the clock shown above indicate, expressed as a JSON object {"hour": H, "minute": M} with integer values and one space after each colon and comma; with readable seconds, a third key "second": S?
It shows {"hour": 12, "minute": 34}
